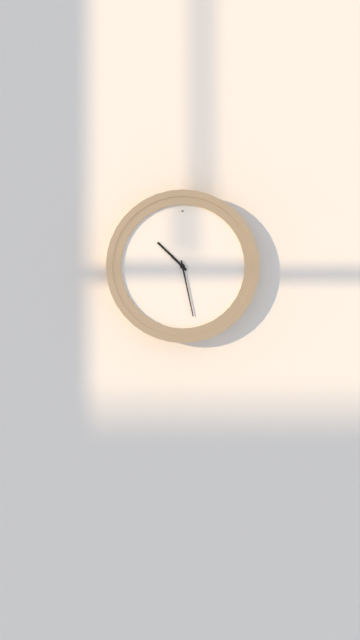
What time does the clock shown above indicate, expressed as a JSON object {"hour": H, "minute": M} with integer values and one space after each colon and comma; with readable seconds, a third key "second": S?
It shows {"hour": 10, "minute": 28}
